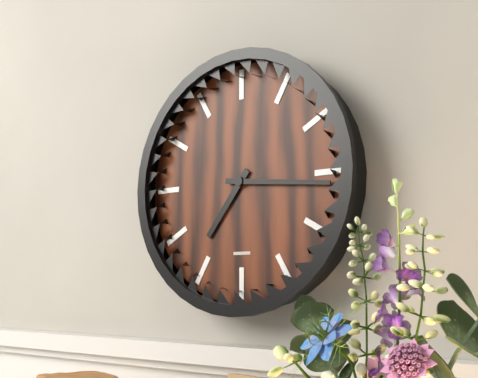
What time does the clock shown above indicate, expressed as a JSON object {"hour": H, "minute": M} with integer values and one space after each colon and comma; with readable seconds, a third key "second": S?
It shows {"hour": 7, "minute": 16}
